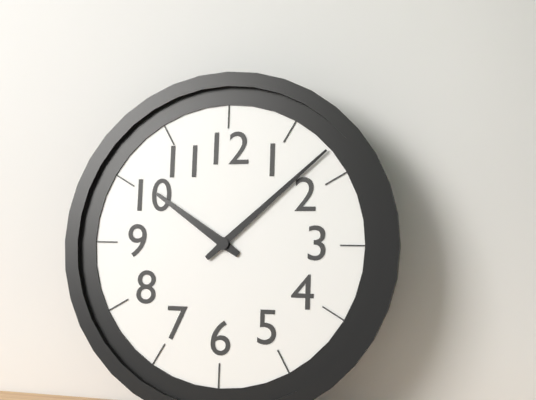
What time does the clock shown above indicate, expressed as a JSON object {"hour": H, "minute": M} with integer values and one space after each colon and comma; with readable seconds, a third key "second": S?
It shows {"hour": 10, "minute": 8}
